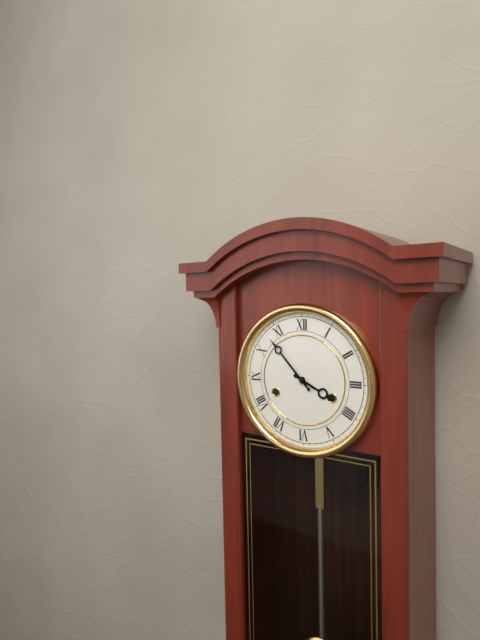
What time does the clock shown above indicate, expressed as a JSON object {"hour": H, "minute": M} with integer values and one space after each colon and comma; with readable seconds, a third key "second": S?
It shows {"hour": 3, "minute": 53}
